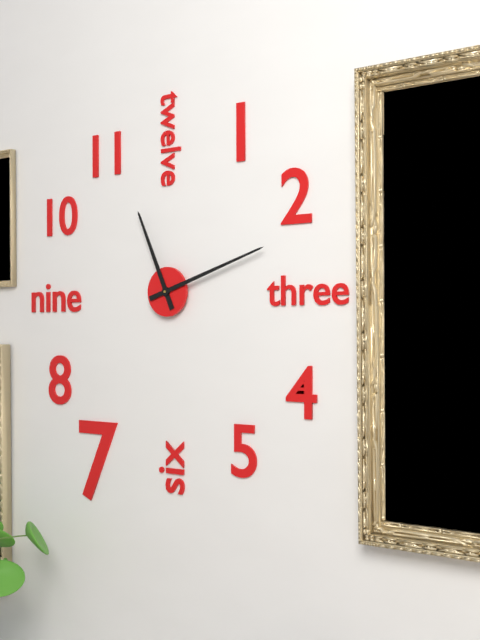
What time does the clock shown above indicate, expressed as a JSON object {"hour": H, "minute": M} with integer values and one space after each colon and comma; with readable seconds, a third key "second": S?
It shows {"hour": 11, "minute": 12}
